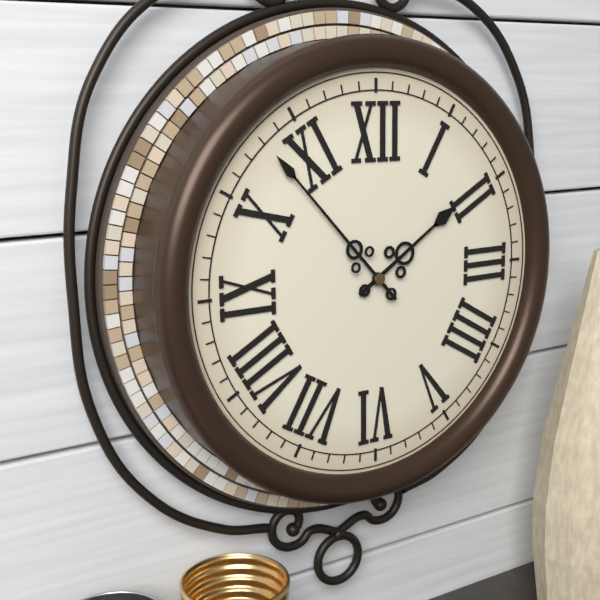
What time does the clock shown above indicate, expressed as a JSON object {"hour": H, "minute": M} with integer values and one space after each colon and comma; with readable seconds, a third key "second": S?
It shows {"hour": 1, "minute": 53}
